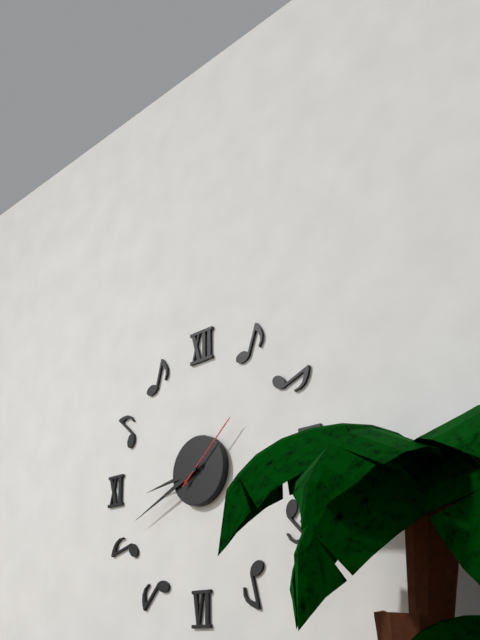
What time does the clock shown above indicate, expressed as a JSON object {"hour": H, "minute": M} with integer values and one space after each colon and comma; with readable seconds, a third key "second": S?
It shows {"hour": 8, "minute": 41, "second": 8}
